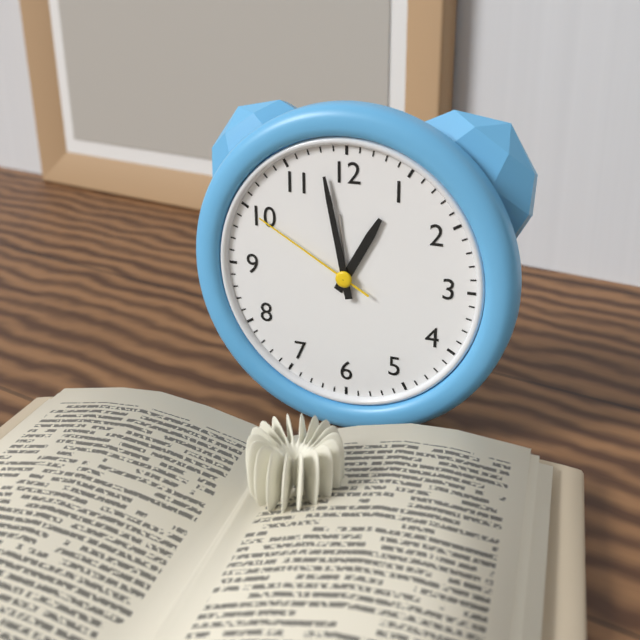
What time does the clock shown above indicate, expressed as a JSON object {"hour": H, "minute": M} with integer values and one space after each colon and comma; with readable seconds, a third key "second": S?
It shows {"hour": 12, "minute": 58, "second": 50}
